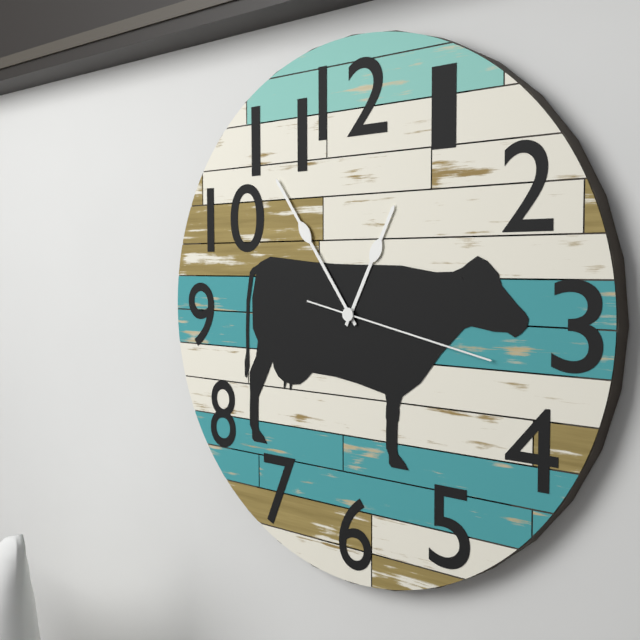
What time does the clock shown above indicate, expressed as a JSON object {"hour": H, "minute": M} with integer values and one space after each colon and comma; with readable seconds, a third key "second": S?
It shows {"hour": 12, "minute": 54, "second": 17}
